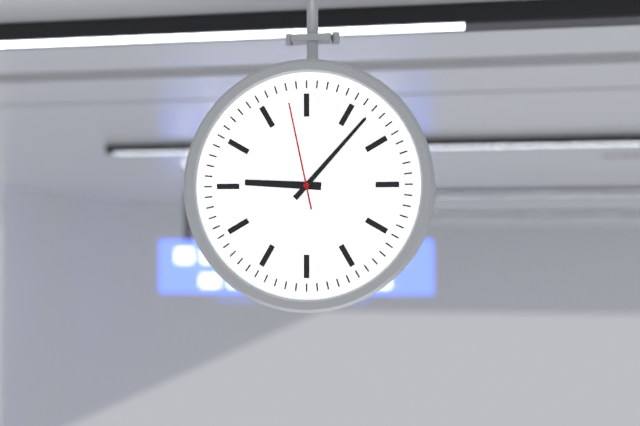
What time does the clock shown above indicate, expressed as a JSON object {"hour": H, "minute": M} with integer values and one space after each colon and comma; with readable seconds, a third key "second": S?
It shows {"hour": 9, "minute": 7, "second": 58}
